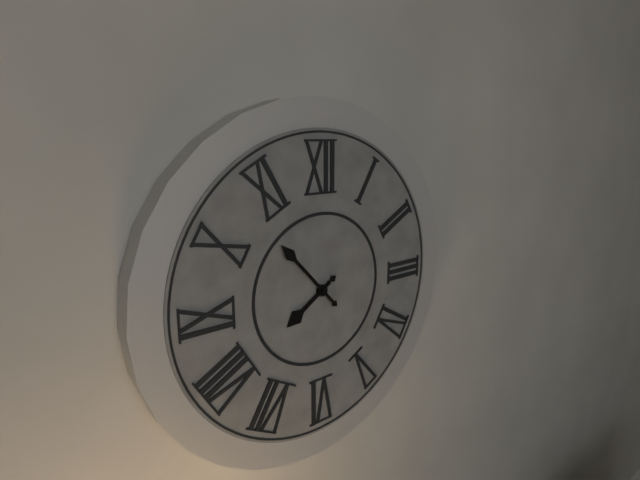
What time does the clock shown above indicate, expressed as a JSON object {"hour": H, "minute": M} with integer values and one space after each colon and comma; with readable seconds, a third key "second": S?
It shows {"hour": 7, "minute": 53}
